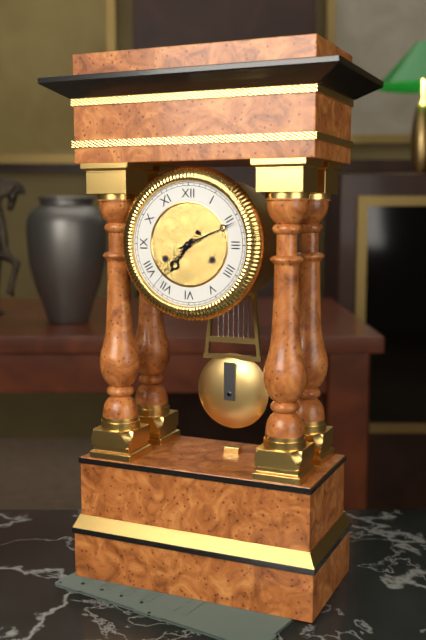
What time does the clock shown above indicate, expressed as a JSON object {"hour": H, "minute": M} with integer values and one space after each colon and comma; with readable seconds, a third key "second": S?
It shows {"hour": 7, "minute": 11, "second": 37}
